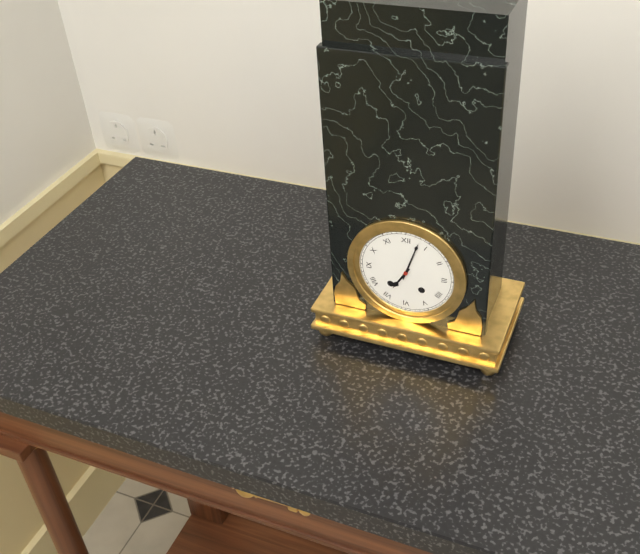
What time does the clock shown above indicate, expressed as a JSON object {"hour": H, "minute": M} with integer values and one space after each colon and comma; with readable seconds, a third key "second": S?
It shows {"hour": 7, "minute": 3}
